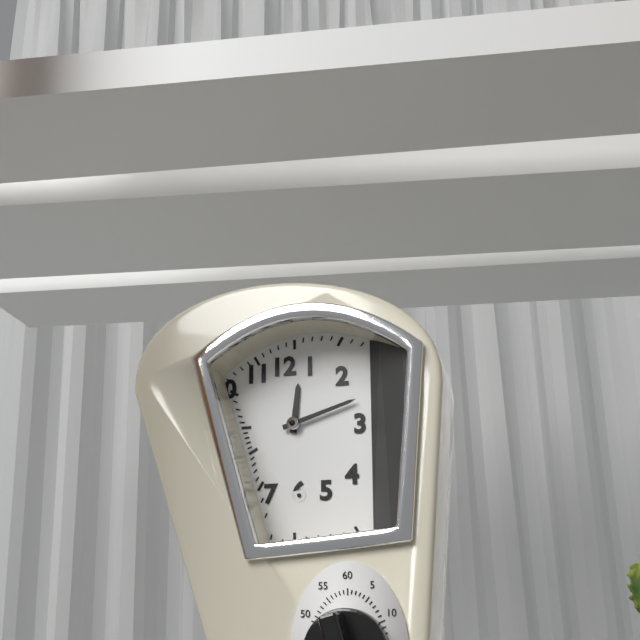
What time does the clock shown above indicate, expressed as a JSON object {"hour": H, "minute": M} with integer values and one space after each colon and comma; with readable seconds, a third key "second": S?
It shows {"hour": 12, "minute": 12}
